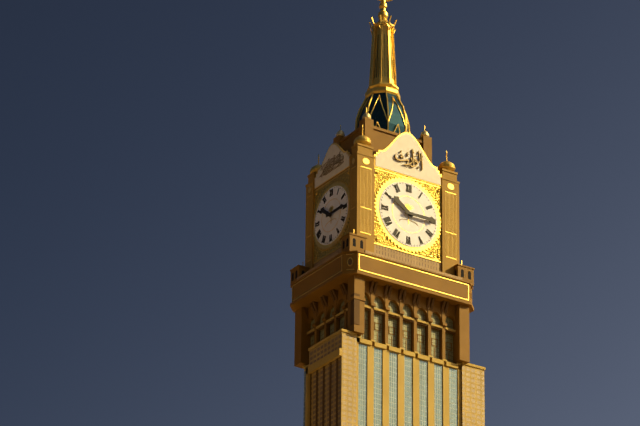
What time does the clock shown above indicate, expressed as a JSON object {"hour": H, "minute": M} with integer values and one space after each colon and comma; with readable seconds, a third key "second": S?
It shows {"hour": 10, "minute": 15}
